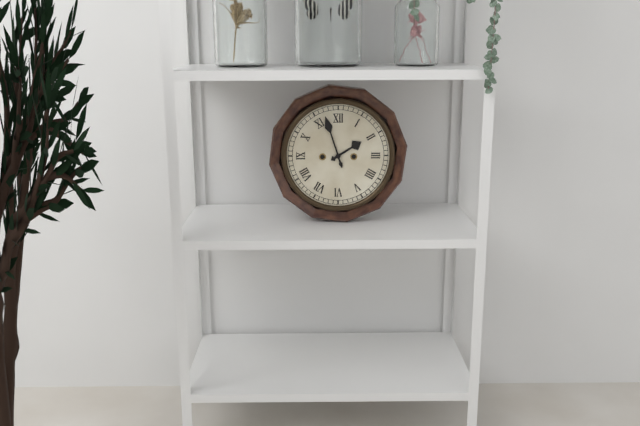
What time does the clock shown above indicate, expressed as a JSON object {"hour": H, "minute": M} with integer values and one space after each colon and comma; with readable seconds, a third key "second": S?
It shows {"hour": 1, "minute": 57}
